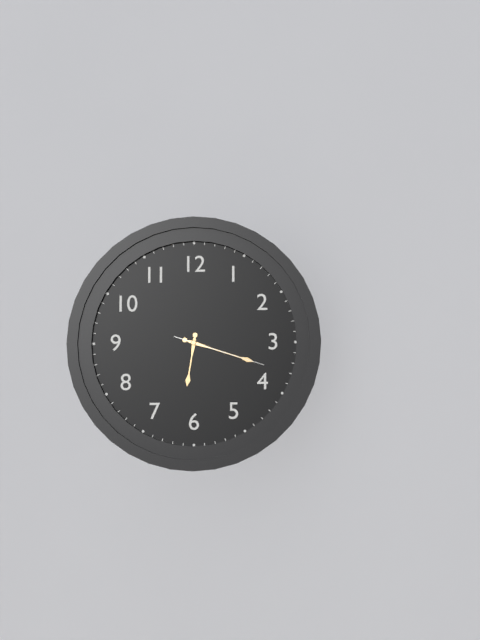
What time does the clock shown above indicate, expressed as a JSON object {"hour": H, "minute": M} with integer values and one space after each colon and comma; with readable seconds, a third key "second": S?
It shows {"hour": 6, "minute": 18, "second": 18}
